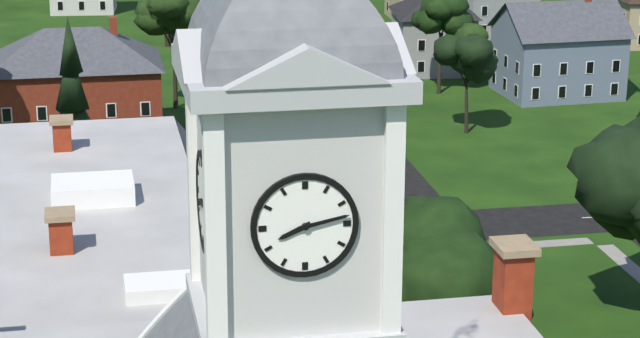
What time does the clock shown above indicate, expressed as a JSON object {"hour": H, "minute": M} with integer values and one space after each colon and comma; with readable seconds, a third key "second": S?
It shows {"hour": 8, "minute": 13}
